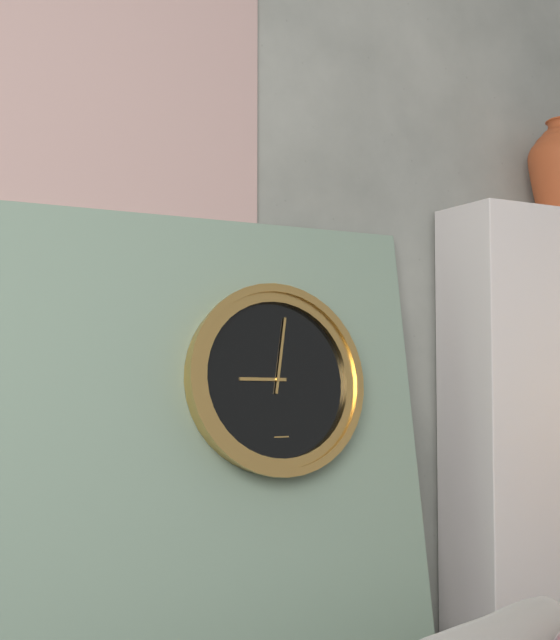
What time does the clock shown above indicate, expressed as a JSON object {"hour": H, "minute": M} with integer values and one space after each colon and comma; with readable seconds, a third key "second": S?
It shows {"hour": 9, "minute": 2}
